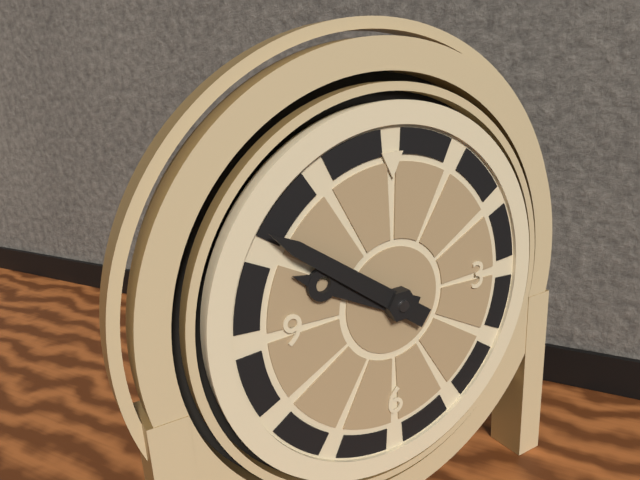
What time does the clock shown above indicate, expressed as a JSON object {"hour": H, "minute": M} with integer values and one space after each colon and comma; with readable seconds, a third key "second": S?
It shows {"hour": 9, "minute": 51}
